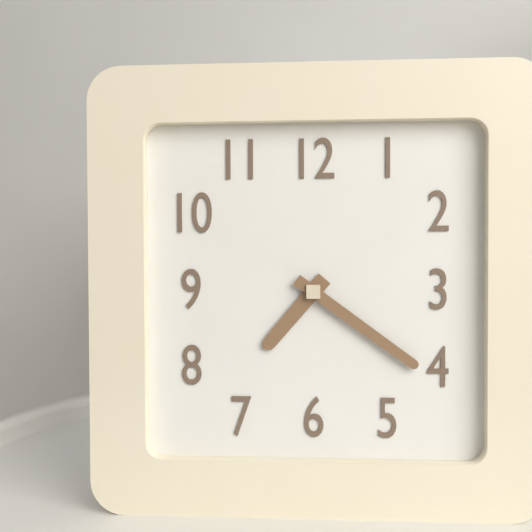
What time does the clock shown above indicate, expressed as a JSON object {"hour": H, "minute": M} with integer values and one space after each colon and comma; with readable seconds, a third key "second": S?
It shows {"hour": 7, "minute": 21}
